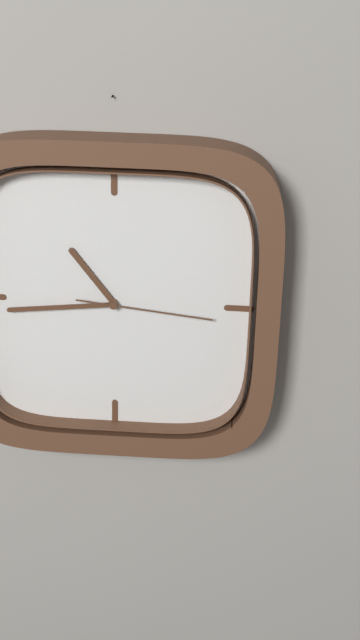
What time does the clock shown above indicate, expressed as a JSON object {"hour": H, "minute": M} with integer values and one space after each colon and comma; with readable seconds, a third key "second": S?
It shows {"hour": 10, "minute": 44, "second": 16}
